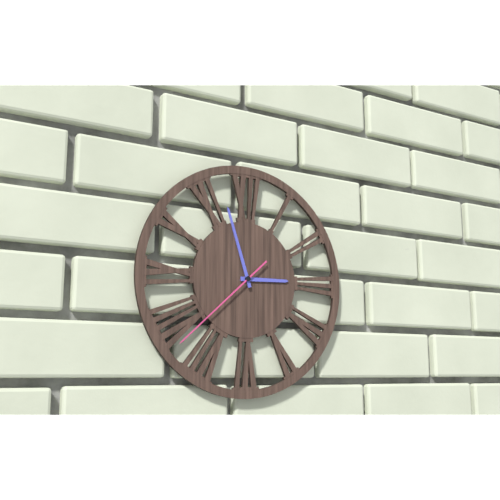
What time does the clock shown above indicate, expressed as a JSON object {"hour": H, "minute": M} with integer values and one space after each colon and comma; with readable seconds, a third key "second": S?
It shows {"hour": 2, "minute": 57, "second": 38}
